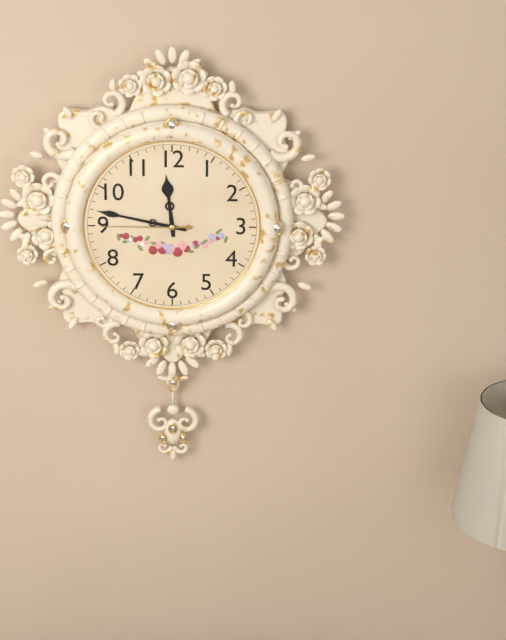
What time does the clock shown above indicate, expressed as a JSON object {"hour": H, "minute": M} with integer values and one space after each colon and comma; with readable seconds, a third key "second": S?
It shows {"hour": 11, "minute": 47, "second": 45}
